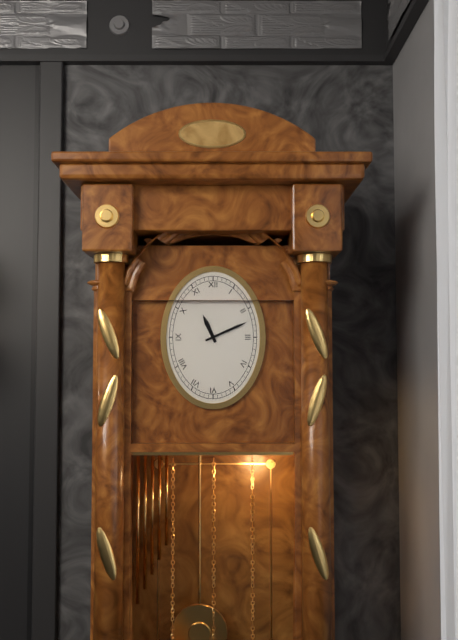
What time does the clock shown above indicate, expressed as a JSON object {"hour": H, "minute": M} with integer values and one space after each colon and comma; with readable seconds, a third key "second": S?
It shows {"hour": 11, "minute": 11}
